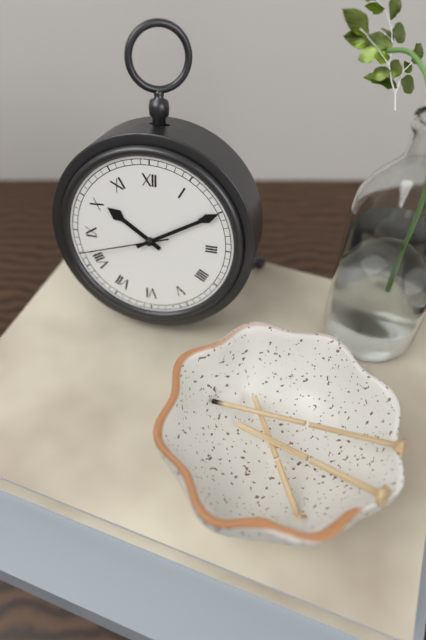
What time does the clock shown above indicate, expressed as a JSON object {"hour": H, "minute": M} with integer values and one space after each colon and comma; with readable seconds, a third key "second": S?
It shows {"hour": 10, "minute": 10, "second": 42}
